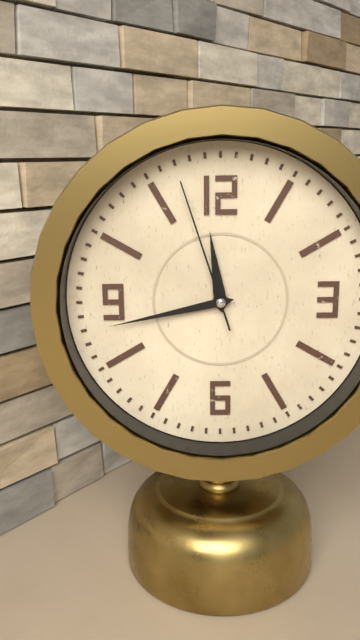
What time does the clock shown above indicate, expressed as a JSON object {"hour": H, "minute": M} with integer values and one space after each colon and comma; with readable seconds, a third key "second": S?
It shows {"hour": 11, "minute": 43, "second": 57}
